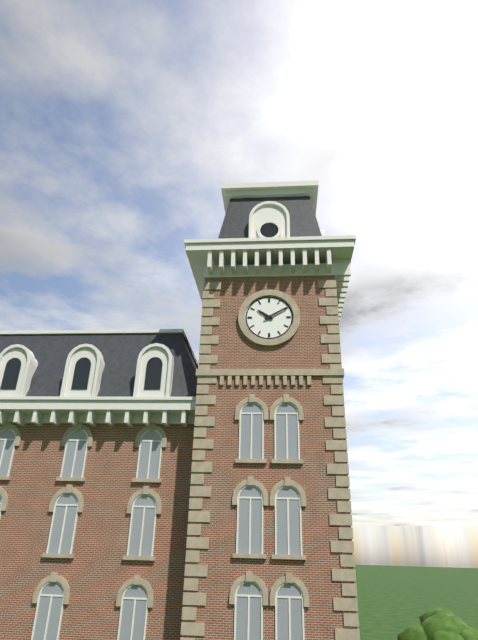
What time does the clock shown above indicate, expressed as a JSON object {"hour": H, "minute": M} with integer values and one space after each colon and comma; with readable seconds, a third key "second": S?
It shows {"hour": 10, "minute": 10}
